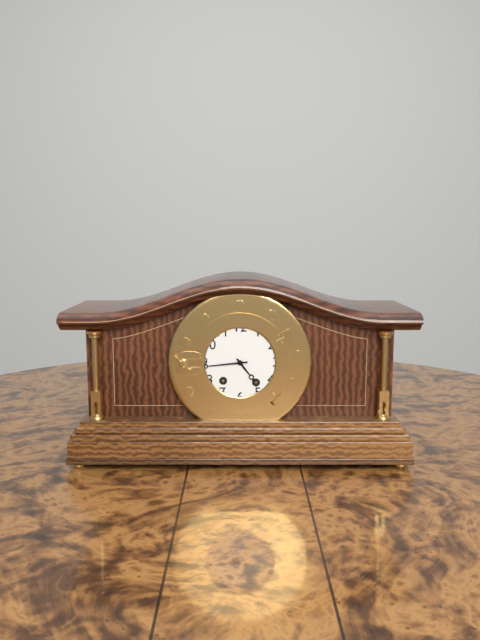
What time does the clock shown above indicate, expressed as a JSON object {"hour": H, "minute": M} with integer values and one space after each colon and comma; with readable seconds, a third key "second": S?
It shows {"hour": 4, "minute": 44}
